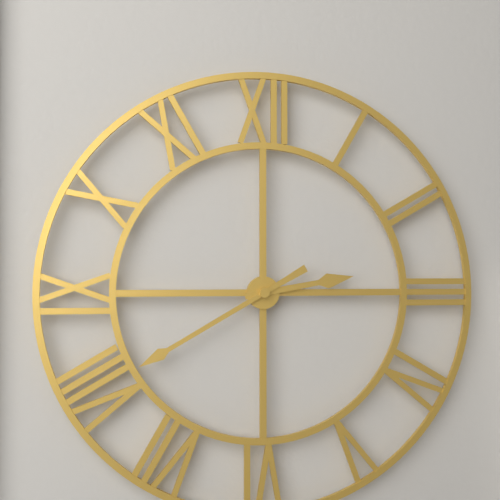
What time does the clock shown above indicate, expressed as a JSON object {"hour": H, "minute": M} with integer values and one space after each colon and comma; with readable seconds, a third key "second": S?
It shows {"hour": 2, "minute": 40}
